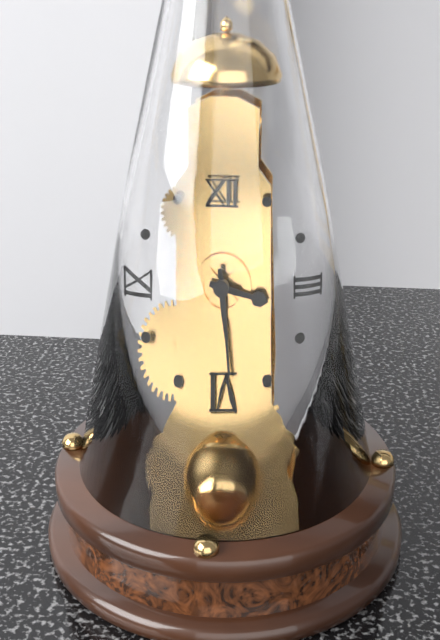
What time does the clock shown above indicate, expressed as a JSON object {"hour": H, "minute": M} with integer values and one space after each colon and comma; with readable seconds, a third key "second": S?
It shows {"hour": 3, "minute": 29}
